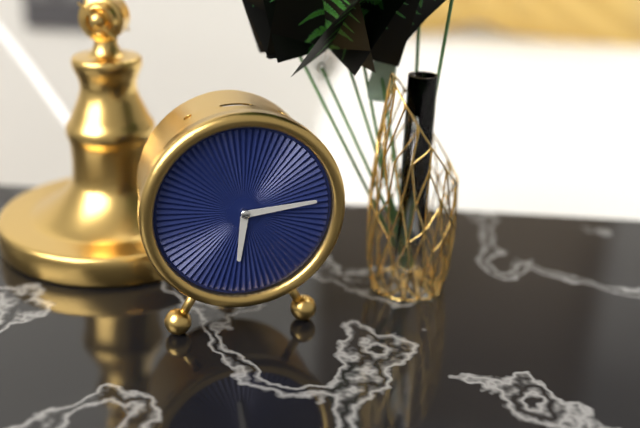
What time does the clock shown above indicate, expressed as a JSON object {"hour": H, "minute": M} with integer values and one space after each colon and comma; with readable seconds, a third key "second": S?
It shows {"hour": 6, "minute": 14}
